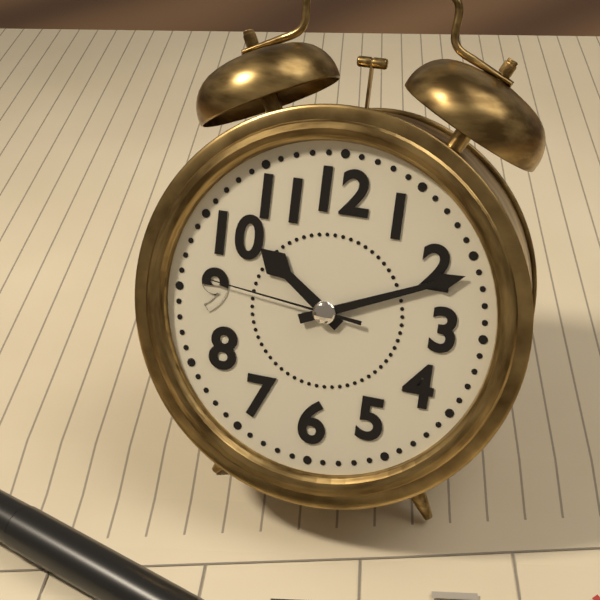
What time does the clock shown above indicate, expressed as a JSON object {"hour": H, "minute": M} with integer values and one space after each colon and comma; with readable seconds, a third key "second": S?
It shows {"hour": 10, "minute": 11, "second": 46}
